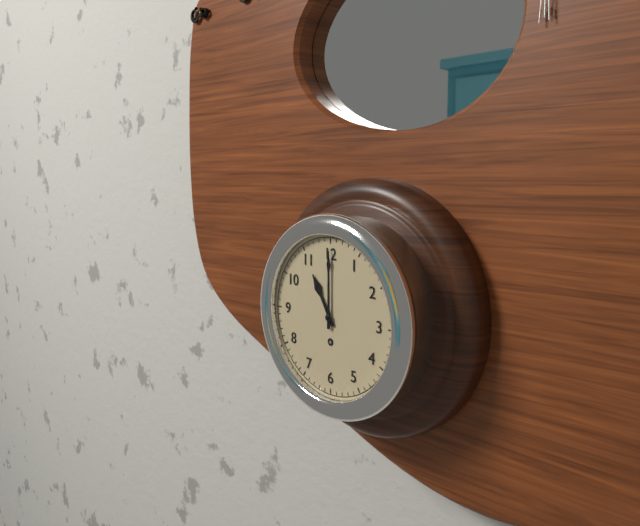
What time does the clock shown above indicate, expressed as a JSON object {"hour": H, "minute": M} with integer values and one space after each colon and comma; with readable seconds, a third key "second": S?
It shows {"hour": 11, "minute": 0}
